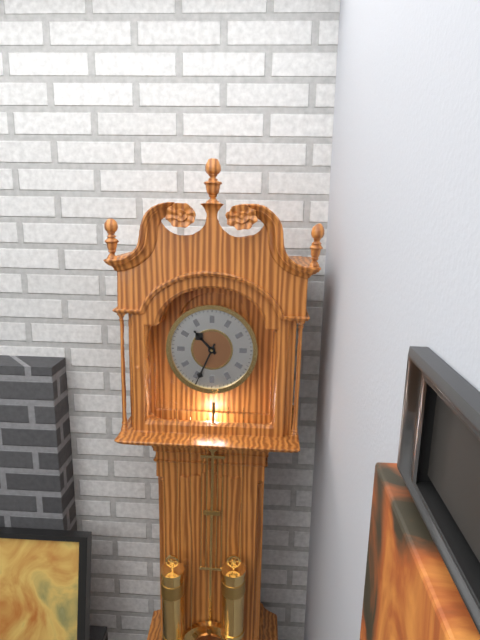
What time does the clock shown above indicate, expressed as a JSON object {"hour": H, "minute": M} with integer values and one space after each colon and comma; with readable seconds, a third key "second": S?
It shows {"hour": 10, "minute": 34}
